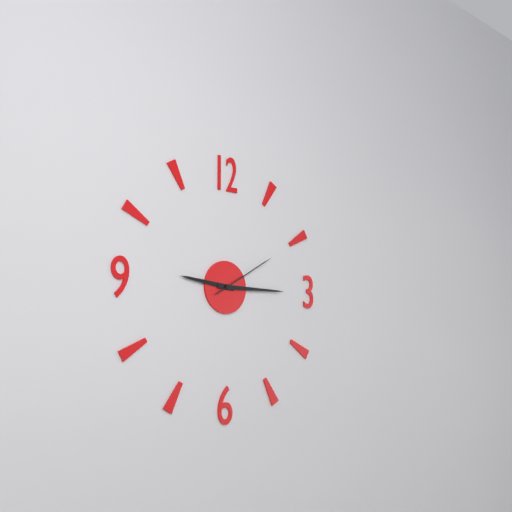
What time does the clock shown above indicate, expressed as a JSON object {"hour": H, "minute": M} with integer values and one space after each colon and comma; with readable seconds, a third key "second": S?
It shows {"hour": 9, "minute": 15, "second": 10}
